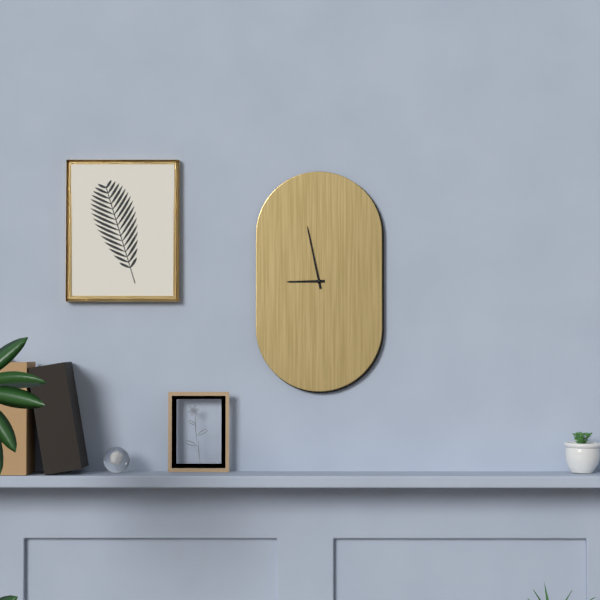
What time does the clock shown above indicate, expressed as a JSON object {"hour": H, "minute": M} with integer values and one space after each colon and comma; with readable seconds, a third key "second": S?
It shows {"hour": 8, "minute": 58}
